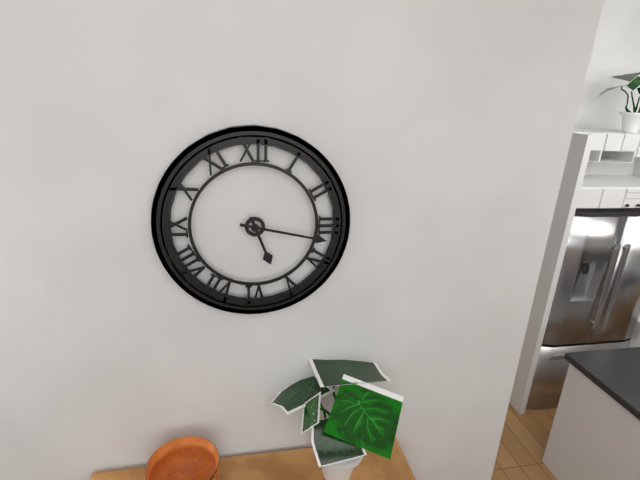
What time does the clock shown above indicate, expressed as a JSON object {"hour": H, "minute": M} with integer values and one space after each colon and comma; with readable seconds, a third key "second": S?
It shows {"hour": 5, "minute": 17}
